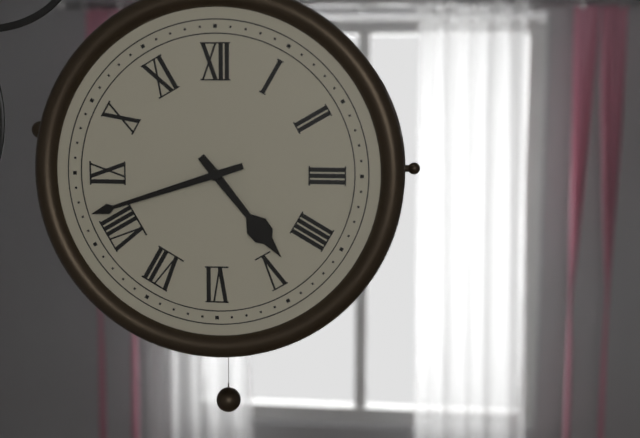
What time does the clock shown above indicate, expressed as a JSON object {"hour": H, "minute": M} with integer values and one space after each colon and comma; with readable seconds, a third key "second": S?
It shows {"hour": 4, "minute": 42}
